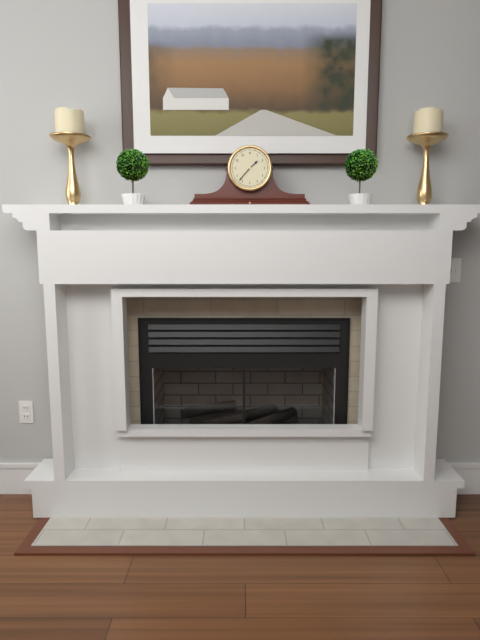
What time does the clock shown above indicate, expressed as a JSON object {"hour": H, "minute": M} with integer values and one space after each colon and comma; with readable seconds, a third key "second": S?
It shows {"hour": 1, "minute": 37}
